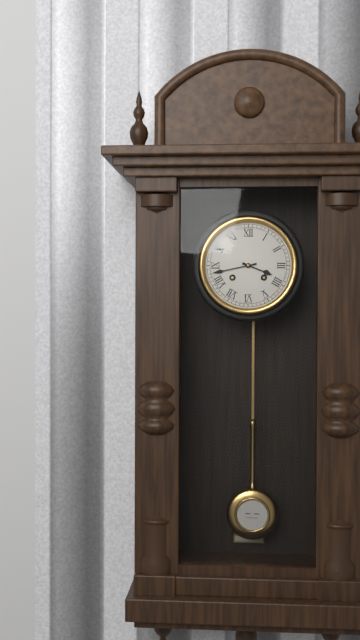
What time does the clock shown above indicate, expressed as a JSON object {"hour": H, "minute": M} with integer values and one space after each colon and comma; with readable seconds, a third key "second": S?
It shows {"hour": 3, "minute": 43}
